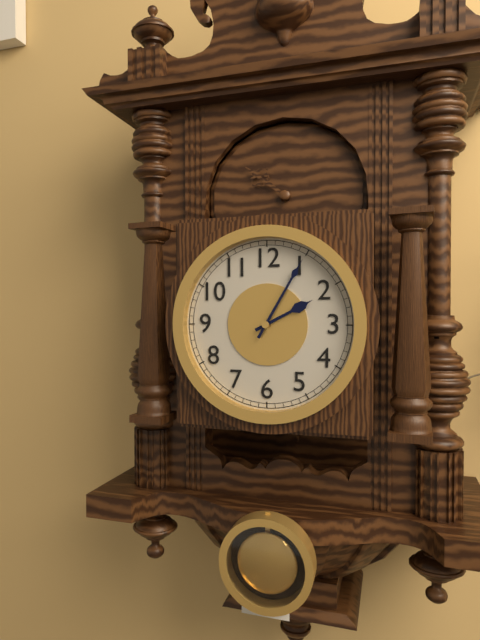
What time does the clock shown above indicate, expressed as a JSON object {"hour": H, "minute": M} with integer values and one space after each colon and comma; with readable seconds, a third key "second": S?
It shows {"hour": 2, "minute": 5}
